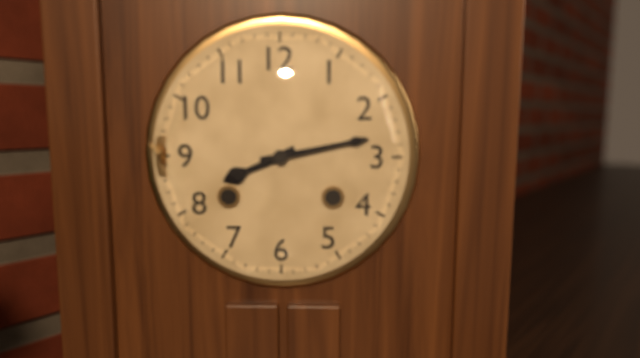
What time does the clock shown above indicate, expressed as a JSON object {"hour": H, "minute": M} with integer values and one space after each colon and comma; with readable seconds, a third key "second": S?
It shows {"hour": 8, "minute": 13}
